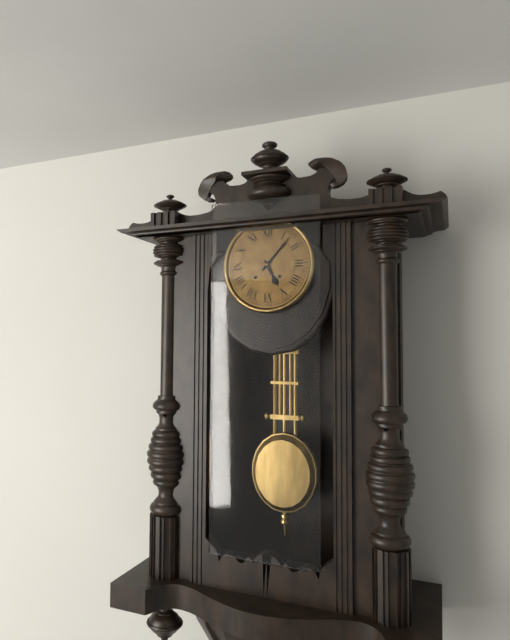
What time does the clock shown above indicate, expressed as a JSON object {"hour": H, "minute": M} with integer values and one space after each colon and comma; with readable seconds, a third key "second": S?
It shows {"hour": 5, "minute": 7}
